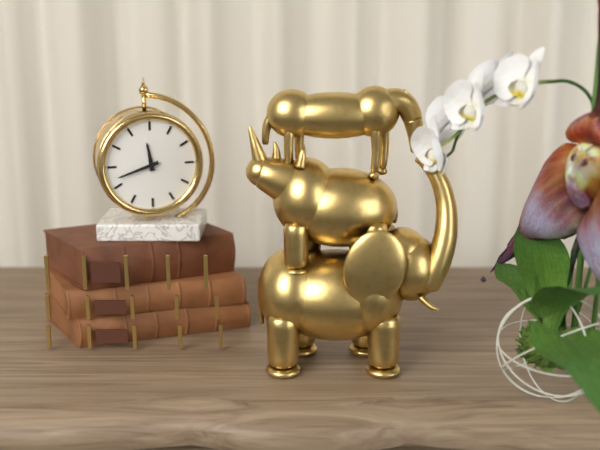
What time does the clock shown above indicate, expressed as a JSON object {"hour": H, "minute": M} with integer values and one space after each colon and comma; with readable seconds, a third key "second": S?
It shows {"hour": 11, "minute": 42}
